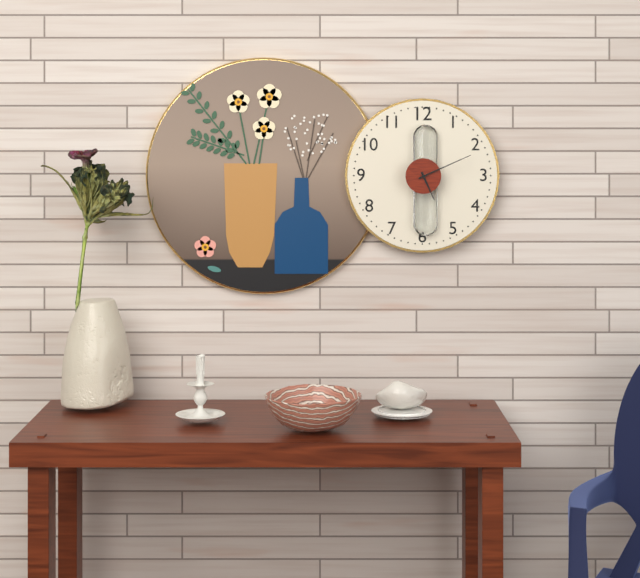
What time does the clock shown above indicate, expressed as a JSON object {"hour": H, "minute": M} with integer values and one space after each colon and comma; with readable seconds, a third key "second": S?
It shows {"hour": 5, "minute": 11}
